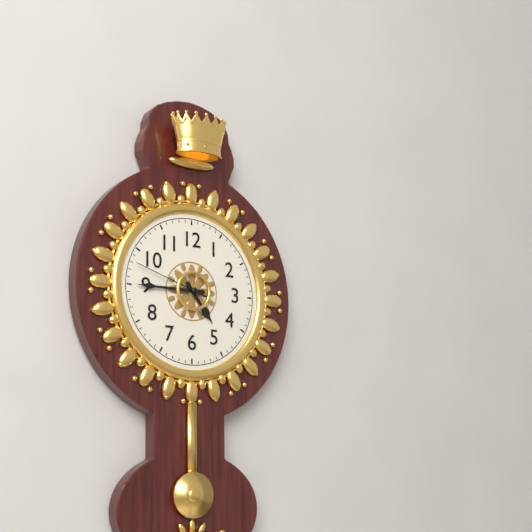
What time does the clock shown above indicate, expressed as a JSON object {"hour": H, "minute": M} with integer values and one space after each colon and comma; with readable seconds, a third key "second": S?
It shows {"hour": 4, "minute": 45, "second": 48}
